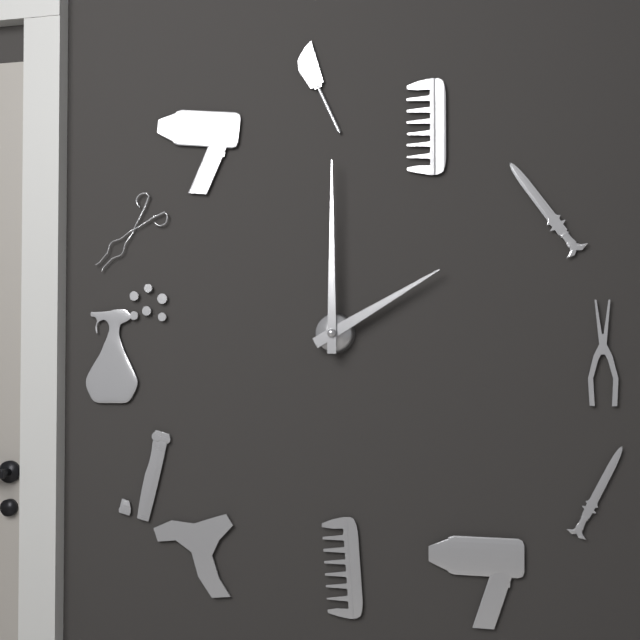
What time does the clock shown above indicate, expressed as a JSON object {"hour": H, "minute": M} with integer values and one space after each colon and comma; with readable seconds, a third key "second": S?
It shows {"hour": 2, "minute": 0}
